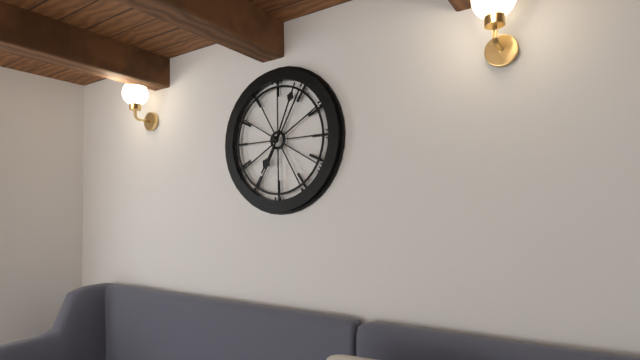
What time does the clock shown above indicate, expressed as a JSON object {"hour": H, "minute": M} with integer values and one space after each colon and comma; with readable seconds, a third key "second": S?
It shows {"hour": 7, "minute": 4}
